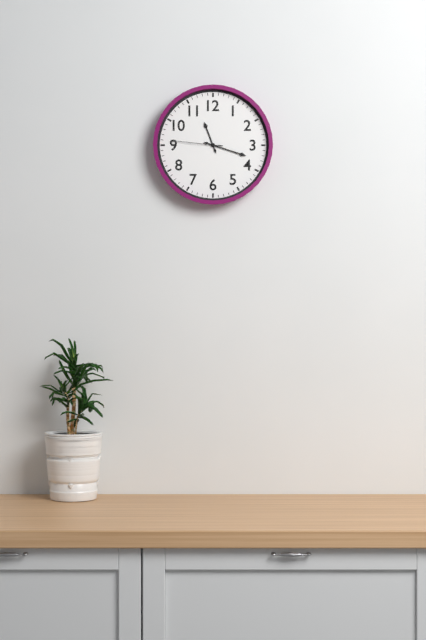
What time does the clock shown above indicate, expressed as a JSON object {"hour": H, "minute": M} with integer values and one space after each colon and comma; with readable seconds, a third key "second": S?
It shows {"hour": 11, "minute": 18, "second": 46}
